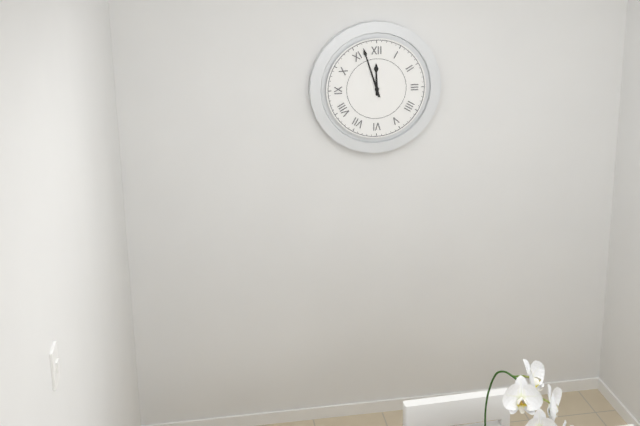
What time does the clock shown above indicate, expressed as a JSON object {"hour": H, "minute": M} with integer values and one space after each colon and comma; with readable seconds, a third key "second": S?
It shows {"hour": 11, "minute": 57}
